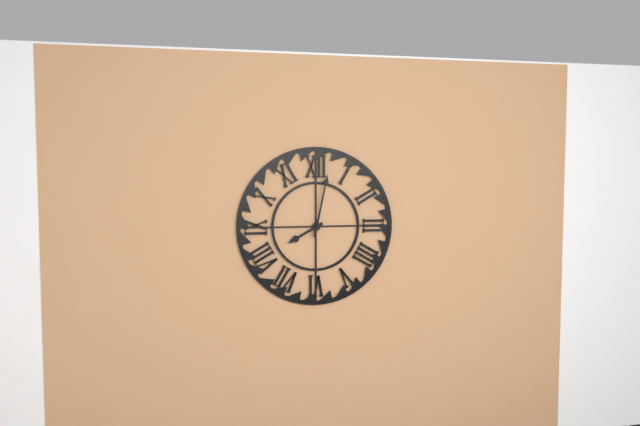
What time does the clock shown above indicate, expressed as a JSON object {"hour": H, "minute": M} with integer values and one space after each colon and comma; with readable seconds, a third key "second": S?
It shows {"hour": 8, "minute": 2}
